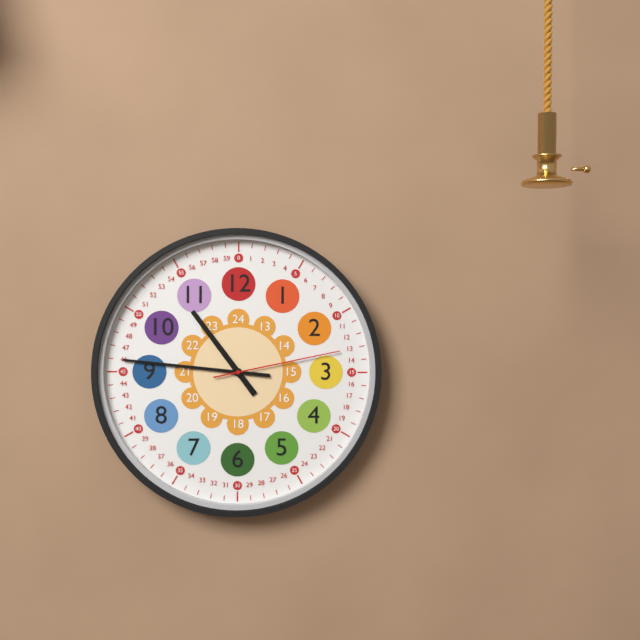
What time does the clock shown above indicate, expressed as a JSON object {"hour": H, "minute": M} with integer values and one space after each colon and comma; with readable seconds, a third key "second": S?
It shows {"hour": 10, "minute": 46, "second": 13}
